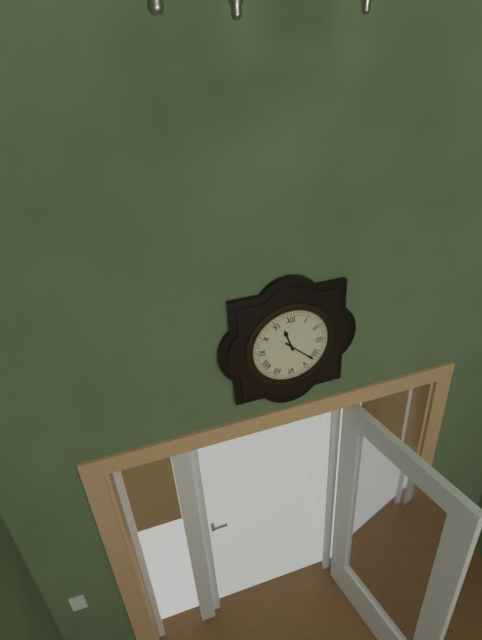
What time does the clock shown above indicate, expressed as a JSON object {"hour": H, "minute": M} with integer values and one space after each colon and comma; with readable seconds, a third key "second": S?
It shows {"hour": 11, "minute": 22}
